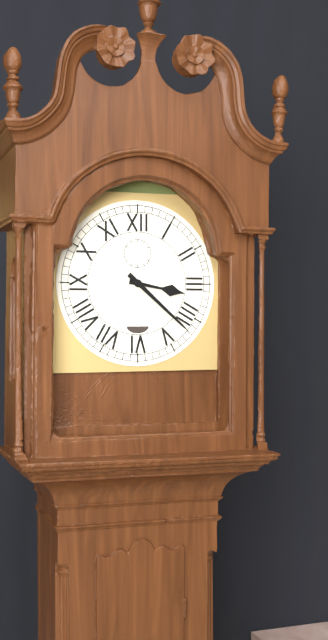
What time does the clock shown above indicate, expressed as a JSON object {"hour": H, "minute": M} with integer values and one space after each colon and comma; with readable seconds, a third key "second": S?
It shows {"hour": 3, "minute": 22}
